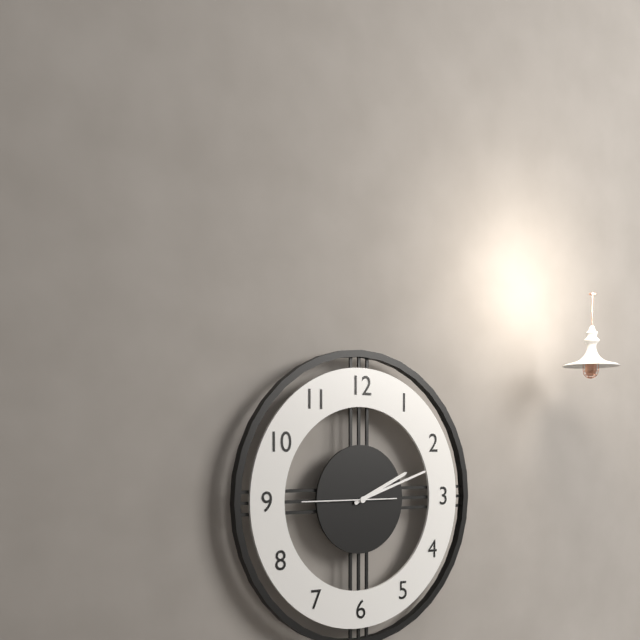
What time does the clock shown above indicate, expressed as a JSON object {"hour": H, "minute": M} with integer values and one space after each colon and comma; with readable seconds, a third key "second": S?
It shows {"hour": 2, "minute": 12, "second": 45}
